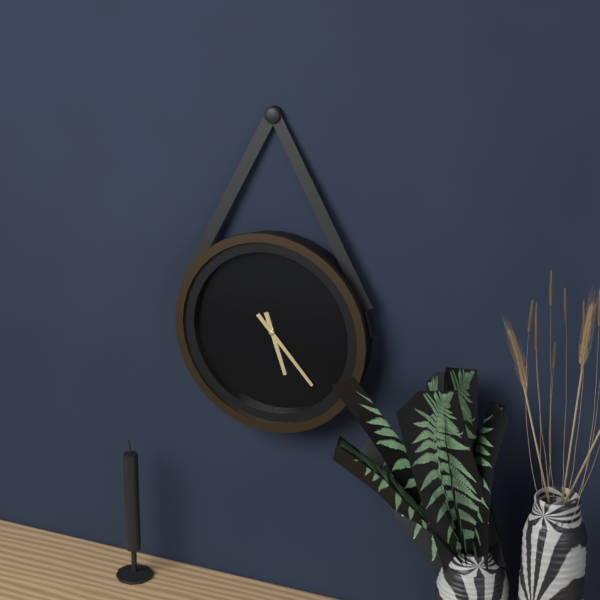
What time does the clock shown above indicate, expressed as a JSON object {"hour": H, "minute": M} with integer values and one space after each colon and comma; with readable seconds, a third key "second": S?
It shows {"hour": 5, "minute": 23}
